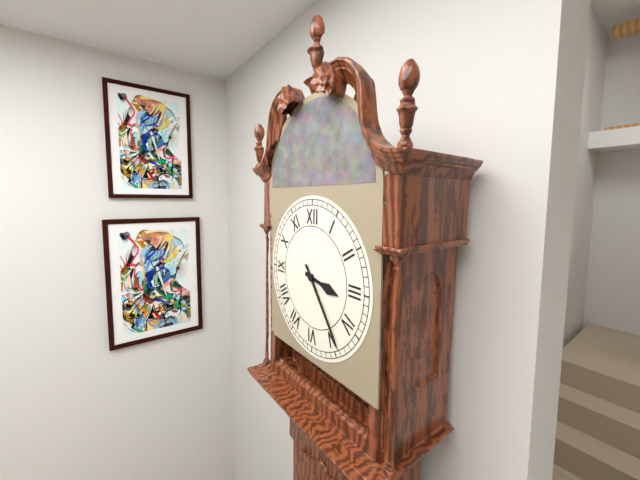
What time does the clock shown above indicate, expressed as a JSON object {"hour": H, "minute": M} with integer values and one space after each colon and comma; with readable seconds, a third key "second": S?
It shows {"hour": 3, "minute": 24}
